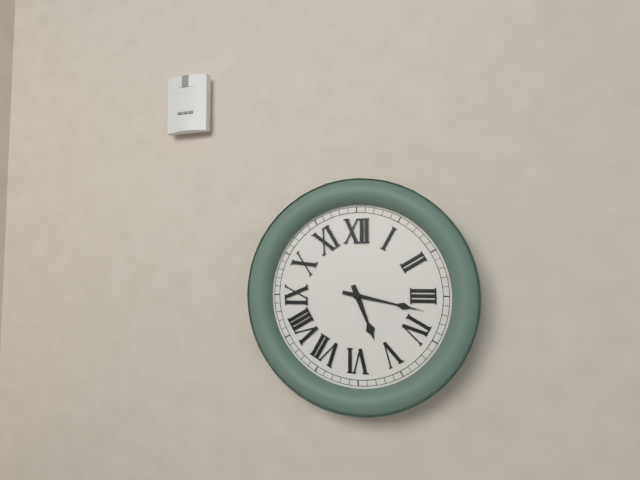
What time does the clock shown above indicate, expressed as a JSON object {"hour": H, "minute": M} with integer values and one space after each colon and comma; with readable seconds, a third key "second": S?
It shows {"hour": 5, "minute": 17}
